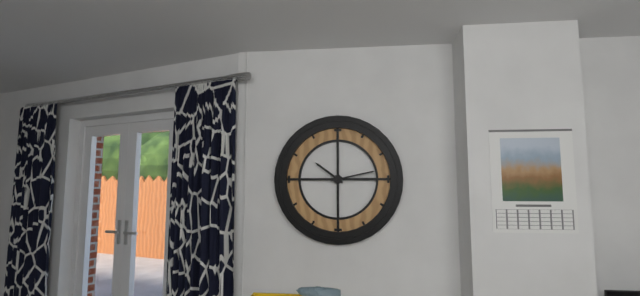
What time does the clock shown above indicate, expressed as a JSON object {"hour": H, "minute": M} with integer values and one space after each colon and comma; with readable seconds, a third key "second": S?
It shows {"hour": 10, "minute": 13}
